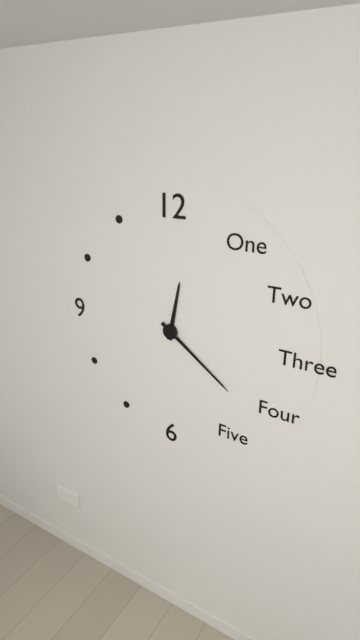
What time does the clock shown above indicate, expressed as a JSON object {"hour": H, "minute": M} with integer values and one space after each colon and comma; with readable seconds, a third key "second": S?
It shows {"hour": 12, "minute": 21}
